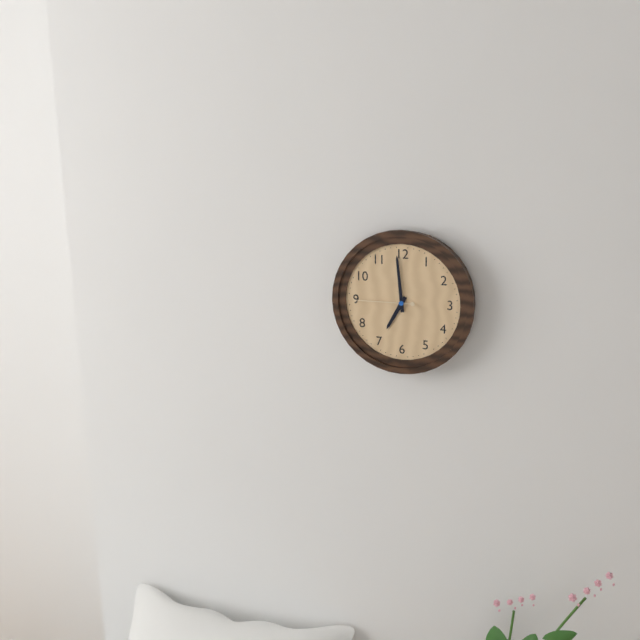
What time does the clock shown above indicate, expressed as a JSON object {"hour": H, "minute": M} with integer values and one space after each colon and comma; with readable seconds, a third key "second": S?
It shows {"hour": 6, "minute": 59, "second": 45}
